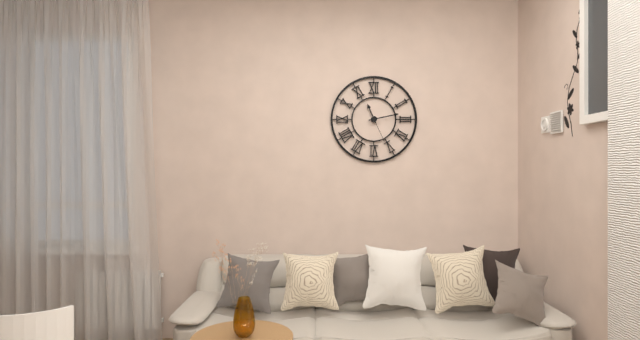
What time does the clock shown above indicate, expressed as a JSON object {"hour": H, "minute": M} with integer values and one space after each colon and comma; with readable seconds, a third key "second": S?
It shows {"hour": 11, "minute": 13}
